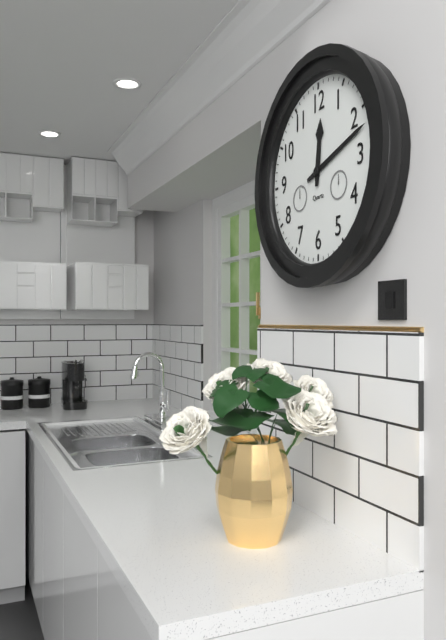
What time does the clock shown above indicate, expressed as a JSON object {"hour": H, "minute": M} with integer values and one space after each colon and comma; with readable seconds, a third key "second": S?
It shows {"hour": 12, "minute": 12}
